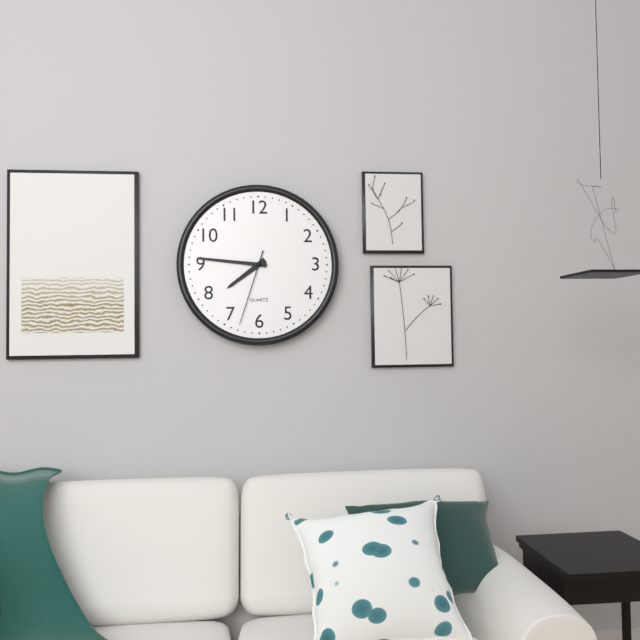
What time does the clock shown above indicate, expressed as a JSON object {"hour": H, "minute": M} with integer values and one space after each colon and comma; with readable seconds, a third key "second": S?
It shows {"hour": 7, "minute": 46, "second": 33}
